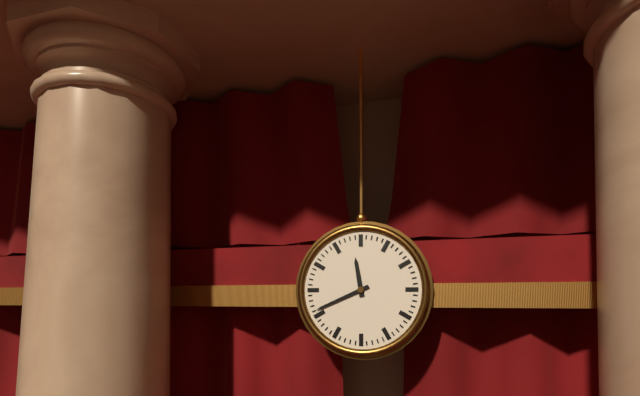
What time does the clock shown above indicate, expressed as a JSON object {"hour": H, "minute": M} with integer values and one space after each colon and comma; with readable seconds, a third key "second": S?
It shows {"hour": 11, "minute": 41}
